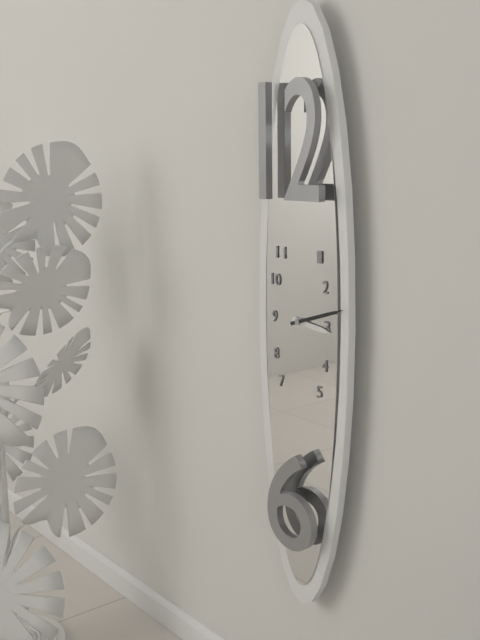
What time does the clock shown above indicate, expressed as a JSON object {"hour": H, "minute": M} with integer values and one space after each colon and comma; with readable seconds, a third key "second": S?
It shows {"hour": 3, "minute": 12}
